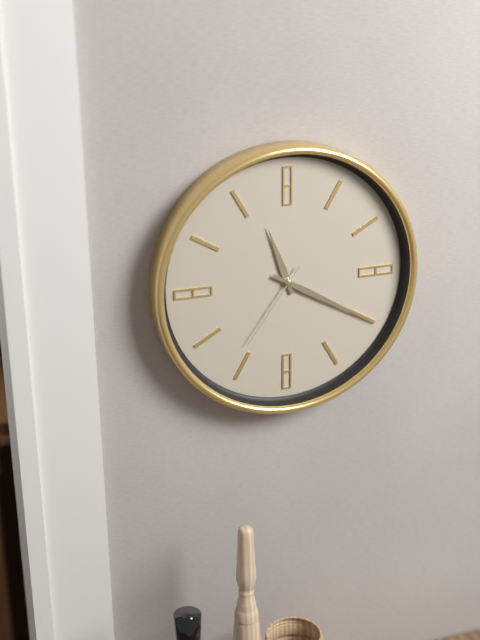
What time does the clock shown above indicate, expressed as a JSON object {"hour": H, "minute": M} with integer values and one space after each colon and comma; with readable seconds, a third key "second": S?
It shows {"hour": 11, "minute": 20, "second": 36}
